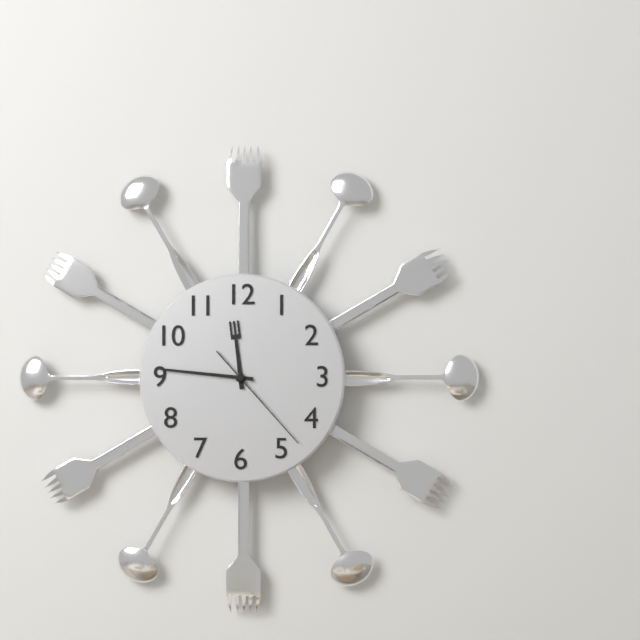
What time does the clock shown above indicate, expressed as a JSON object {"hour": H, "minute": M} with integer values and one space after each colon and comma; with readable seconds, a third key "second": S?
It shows {"hour": 11, "minute": 46, "second": 23}
